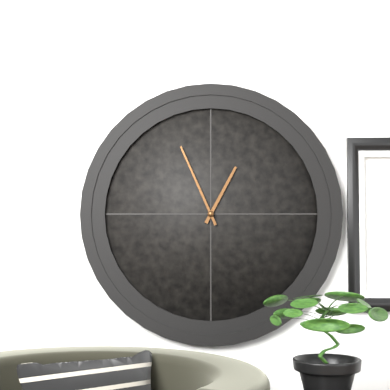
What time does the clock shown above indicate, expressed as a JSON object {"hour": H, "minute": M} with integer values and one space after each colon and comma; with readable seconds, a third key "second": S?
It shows {"hour": 12, "minute": 56}
